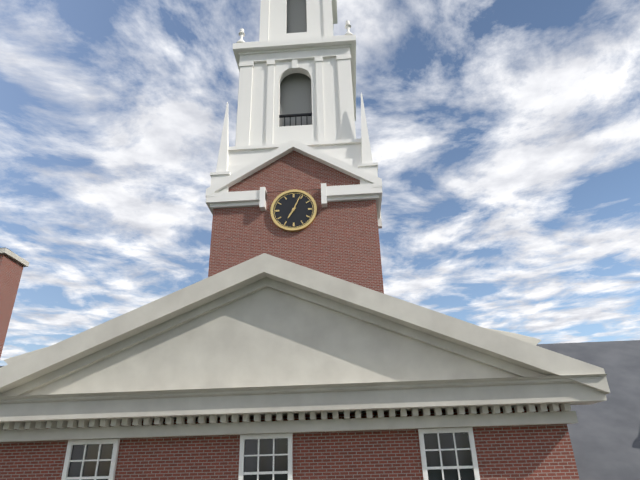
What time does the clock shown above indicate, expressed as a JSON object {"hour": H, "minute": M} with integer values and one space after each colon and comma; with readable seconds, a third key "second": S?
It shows {"hour": 7, "minute": 4}
